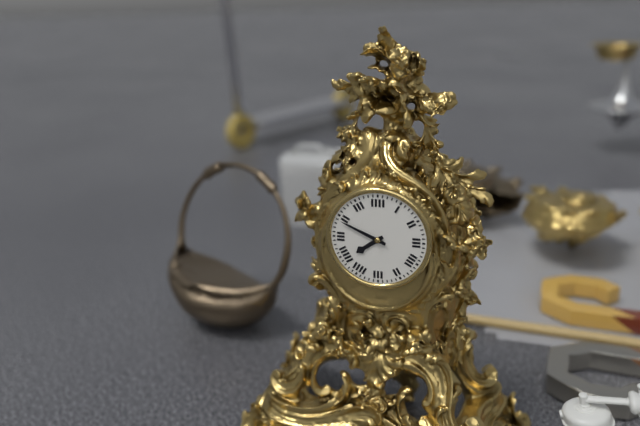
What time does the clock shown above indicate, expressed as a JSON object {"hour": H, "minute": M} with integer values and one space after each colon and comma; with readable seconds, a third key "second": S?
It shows {"hour": 7, "minute": 49}
